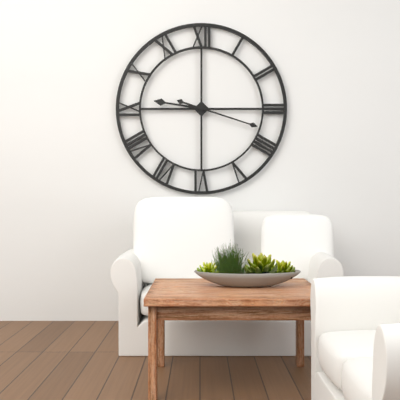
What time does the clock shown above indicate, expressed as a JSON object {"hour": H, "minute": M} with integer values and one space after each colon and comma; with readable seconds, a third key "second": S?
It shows {"hour": 9, "minute": 18}
